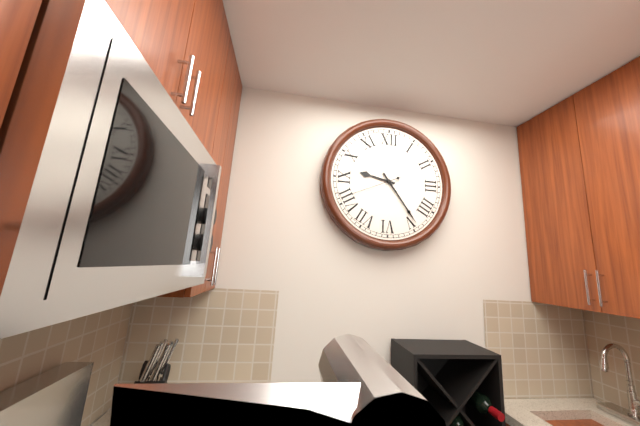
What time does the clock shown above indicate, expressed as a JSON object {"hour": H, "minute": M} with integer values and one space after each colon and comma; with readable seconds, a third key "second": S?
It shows {"hour": 9, "minute": 24, "second": 41}
